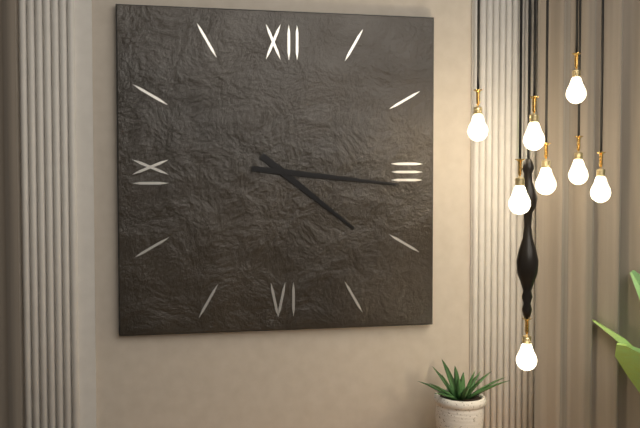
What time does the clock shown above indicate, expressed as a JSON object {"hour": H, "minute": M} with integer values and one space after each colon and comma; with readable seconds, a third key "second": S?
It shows {"hour": 4, "minute": 16}
